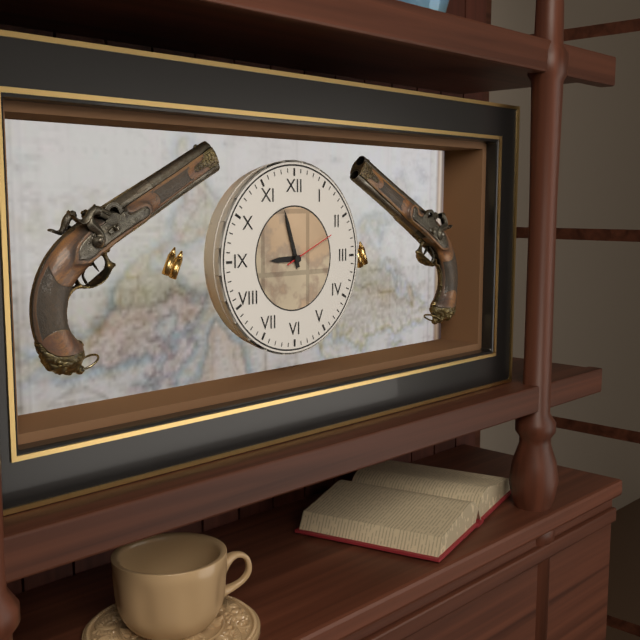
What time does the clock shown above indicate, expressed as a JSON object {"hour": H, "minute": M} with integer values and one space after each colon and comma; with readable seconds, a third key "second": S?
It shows {"hour": 8, "minute": 57, "second": 11}
